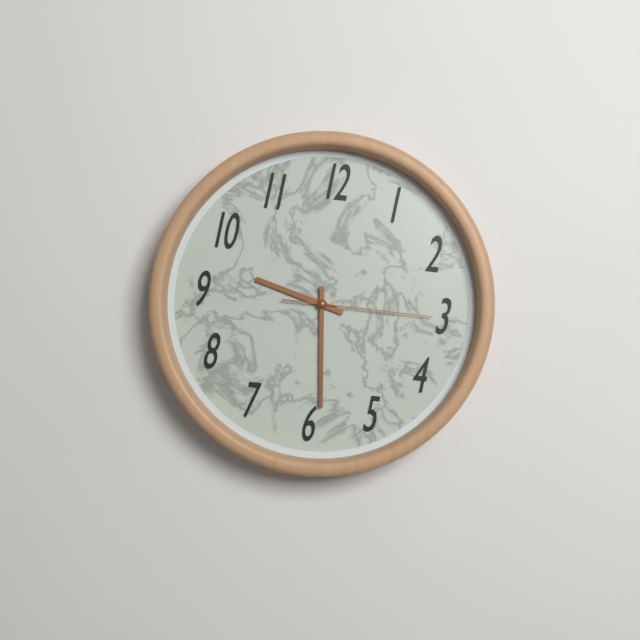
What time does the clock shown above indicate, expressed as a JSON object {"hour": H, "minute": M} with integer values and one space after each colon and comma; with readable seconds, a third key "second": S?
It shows {"hour": 9, "minute": 29, "second": 15}
